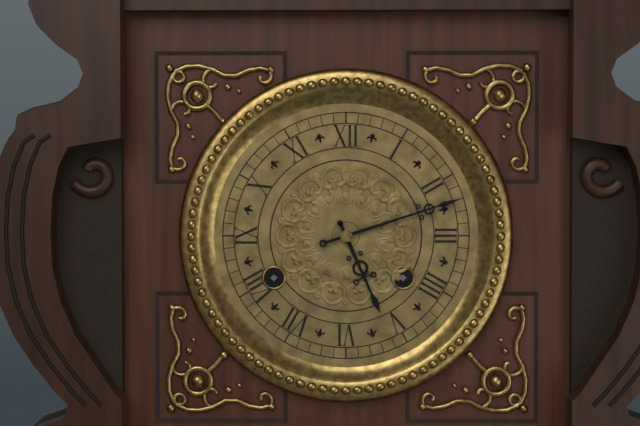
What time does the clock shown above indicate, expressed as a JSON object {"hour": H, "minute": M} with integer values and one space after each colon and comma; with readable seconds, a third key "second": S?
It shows {"hour": 5, "minute": 12}
